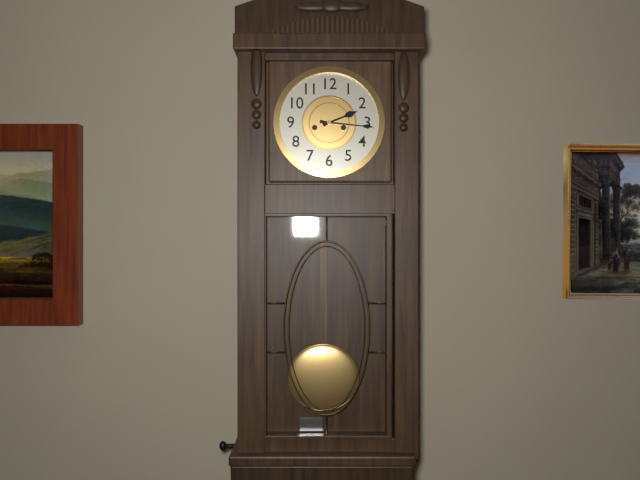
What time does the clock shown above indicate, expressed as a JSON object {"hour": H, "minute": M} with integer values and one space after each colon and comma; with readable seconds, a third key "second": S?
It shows {"hour": 2, "minute": 16}
